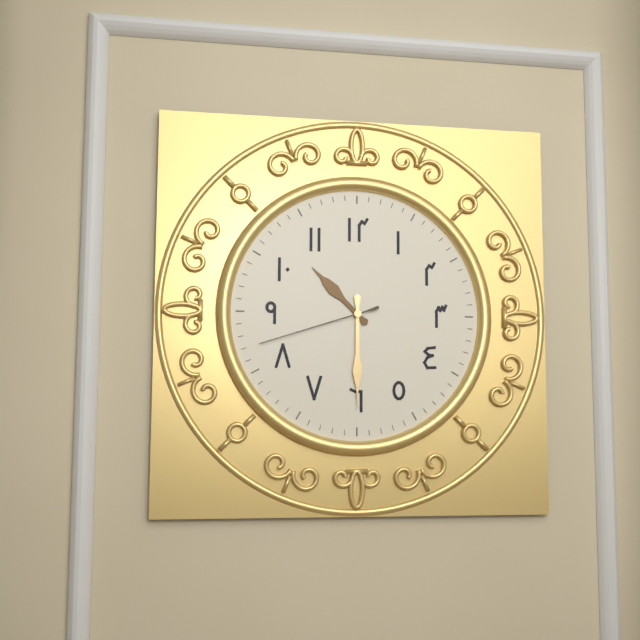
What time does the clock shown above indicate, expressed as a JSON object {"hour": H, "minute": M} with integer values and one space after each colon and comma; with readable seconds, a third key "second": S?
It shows {"hour": 10, "minute": 30, "second": 42}
